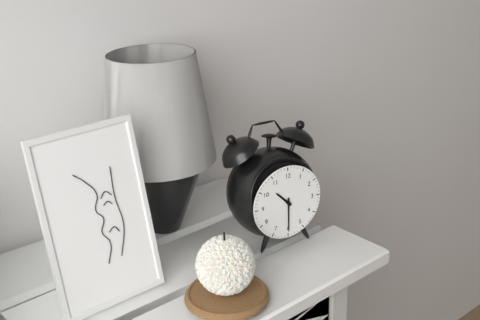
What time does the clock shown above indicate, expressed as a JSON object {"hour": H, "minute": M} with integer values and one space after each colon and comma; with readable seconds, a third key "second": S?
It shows {"hour": 10, "minute": 30}
